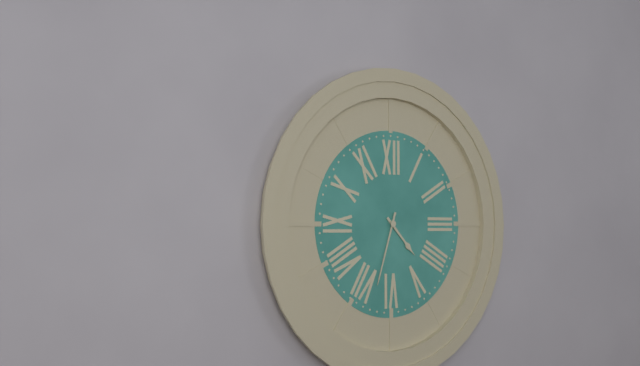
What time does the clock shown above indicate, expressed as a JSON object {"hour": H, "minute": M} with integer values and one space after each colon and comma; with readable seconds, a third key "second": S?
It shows {"hour": 4, "minute": 33}
